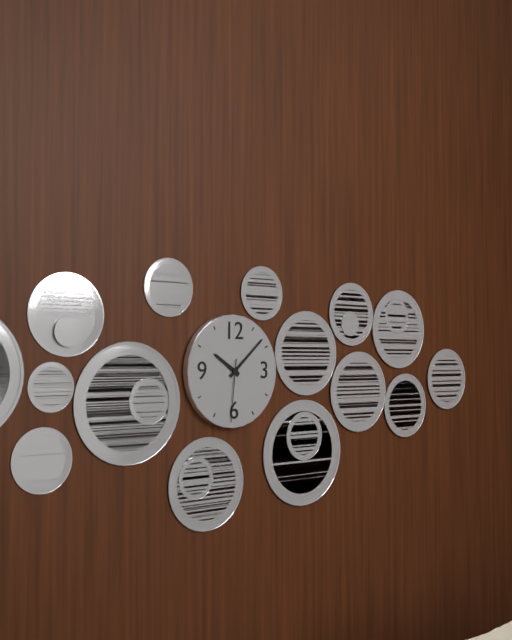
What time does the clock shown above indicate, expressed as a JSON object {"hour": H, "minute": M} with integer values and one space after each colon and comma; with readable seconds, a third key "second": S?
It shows {"hour": 10, "minute": 8, "second": 31}
